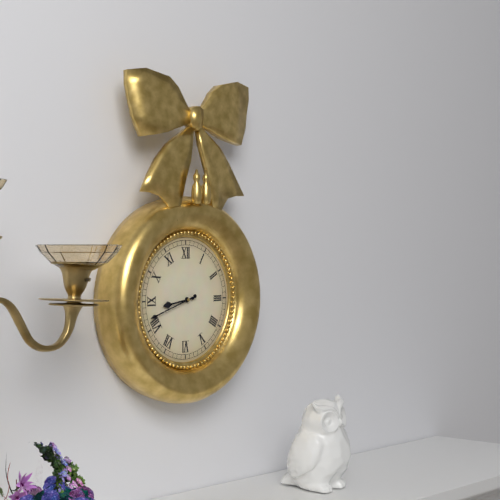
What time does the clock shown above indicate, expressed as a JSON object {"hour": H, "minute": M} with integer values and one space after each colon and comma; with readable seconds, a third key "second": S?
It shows {"hour": 8, "minute": 42}
